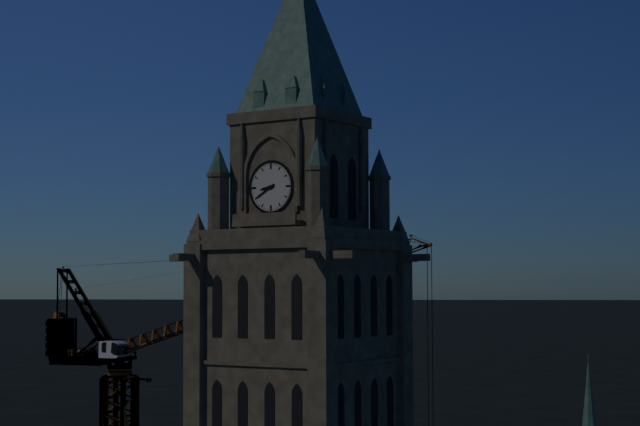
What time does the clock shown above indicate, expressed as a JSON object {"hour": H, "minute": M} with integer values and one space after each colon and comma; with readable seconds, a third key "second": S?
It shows {"hour": 8, "minute": 40}
